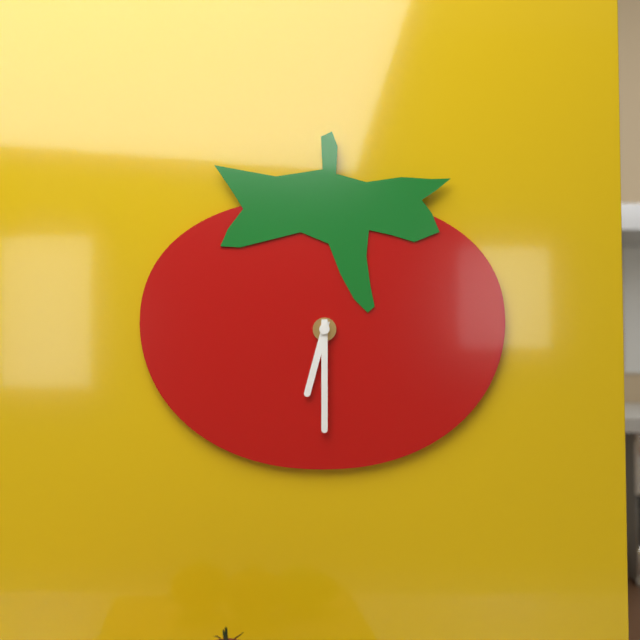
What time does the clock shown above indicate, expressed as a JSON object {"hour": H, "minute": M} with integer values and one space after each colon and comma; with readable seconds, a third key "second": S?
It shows {"hour": 6, "minute": 30}
